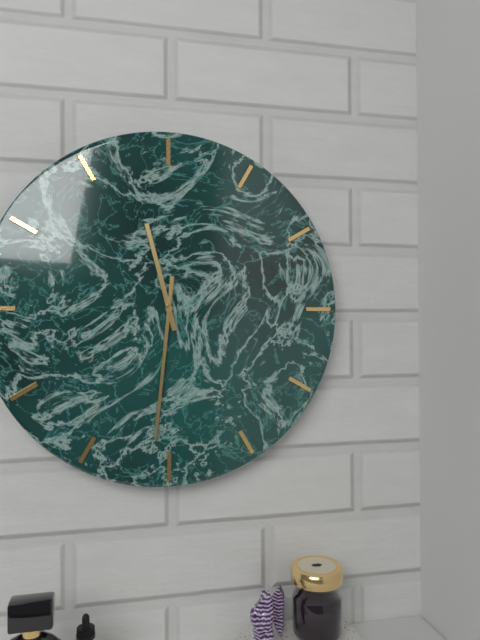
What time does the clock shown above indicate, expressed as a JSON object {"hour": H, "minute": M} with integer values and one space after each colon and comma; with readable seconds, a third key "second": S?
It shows {"hour": 11, "minute": 31, "second": 31}
